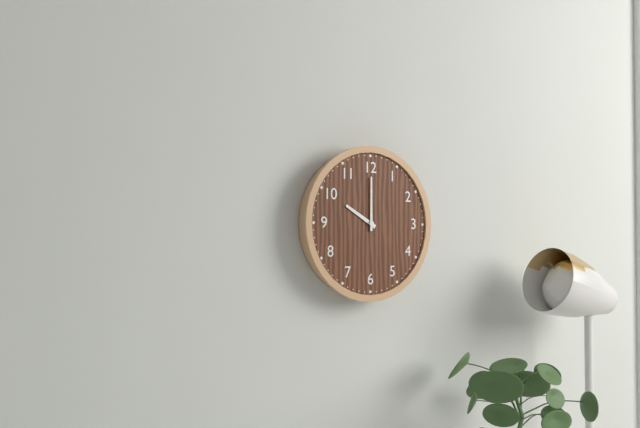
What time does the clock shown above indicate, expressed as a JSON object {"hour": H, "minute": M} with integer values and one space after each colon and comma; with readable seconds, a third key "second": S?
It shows {"hour": 10, "minute": 0}
